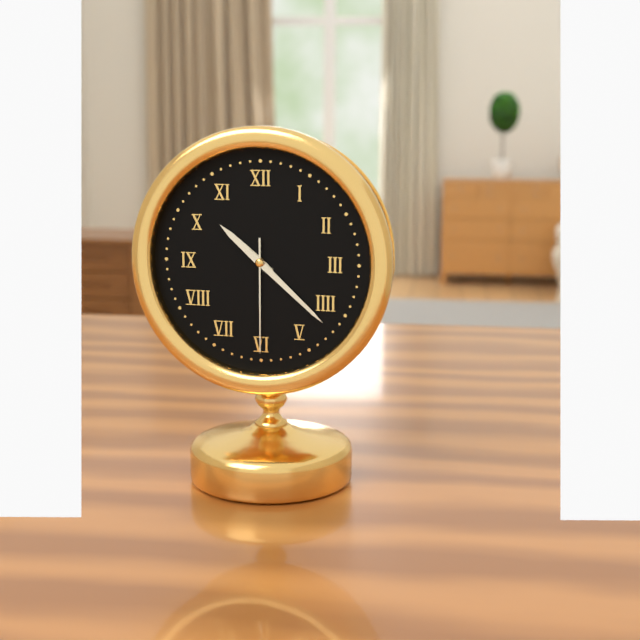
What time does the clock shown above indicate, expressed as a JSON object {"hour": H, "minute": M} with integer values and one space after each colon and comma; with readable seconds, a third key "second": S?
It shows {"hour": 10, "minute": 22, "second": 30}
